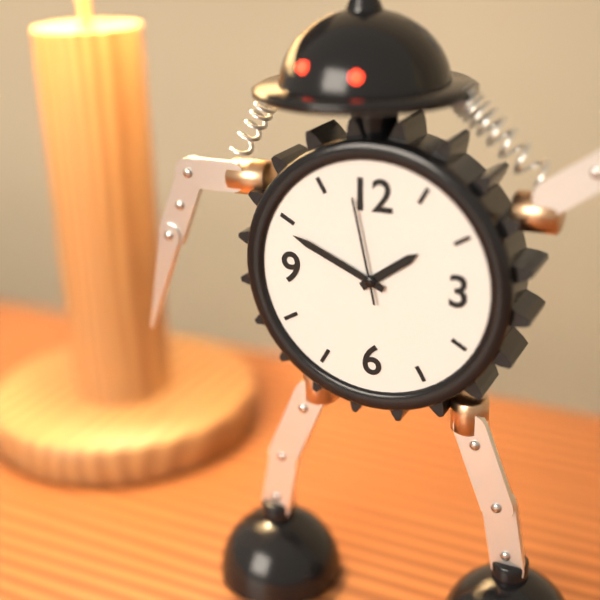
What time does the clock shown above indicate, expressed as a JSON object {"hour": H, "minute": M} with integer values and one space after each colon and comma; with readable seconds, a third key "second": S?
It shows {"hour": 1, "minute": 49, "second": 58}
